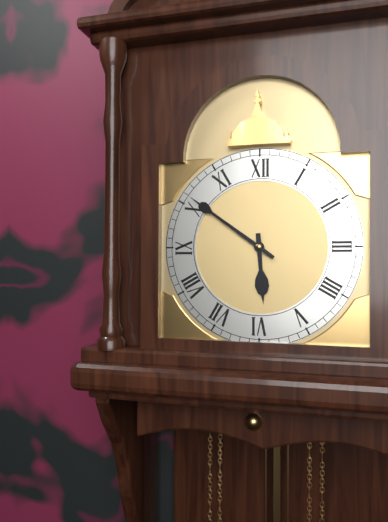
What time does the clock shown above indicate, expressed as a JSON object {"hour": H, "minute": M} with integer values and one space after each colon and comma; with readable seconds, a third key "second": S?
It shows {"hour": 5, "minute": 51}
